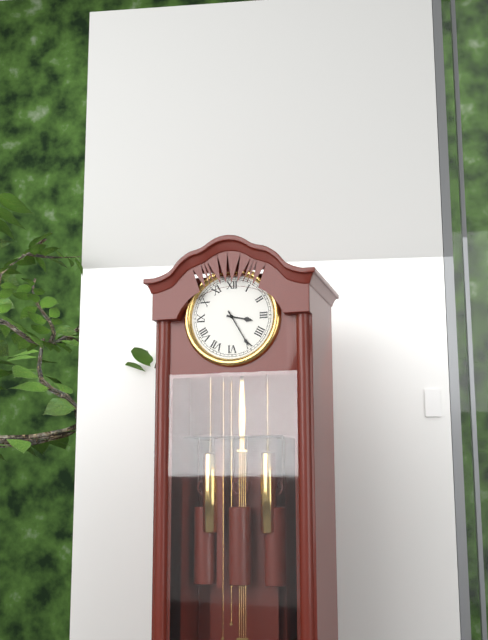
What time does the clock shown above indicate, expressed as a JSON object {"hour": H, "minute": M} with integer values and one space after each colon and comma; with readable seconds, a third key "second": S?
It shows {"hour": 3, "minute": 25}
